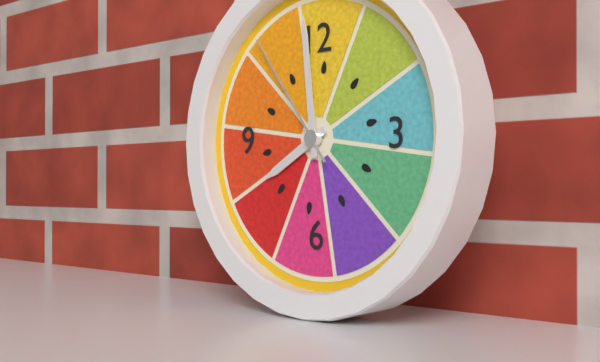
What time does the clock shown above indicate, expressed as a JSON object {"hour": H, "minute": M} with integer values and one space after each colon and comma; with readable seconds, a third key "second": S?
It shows {"hour": 7, "minute": 59, "second": 54}
